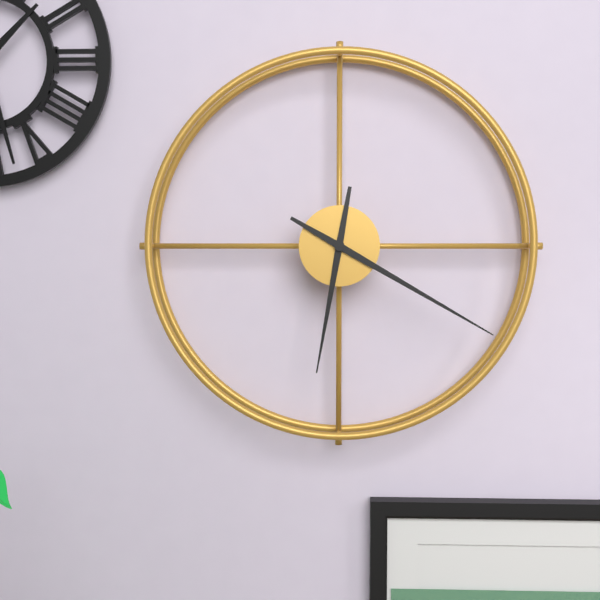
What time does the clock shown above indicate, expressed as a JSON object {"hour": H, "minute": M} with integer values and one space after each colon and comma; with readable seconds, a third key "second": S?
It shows {"hour": 6, "minute": 20}
